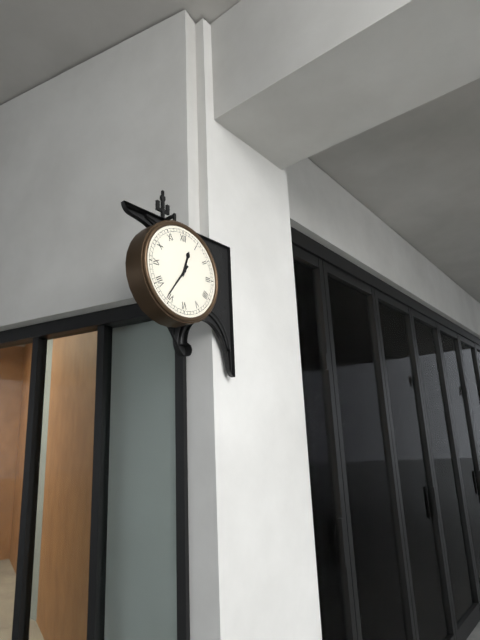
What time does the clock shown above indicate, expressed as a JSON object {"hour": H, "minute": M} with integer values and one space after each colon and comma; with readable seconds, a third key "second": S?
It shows {"hour": 12, "minute": 36}
